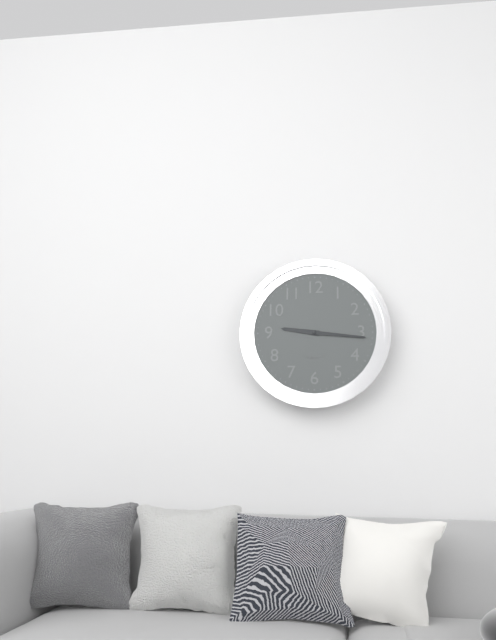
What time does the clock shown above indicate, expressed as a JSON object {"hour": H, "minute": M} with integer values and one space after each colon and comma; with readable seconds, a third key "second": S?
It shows {"hour": 9, "minute": 16}
